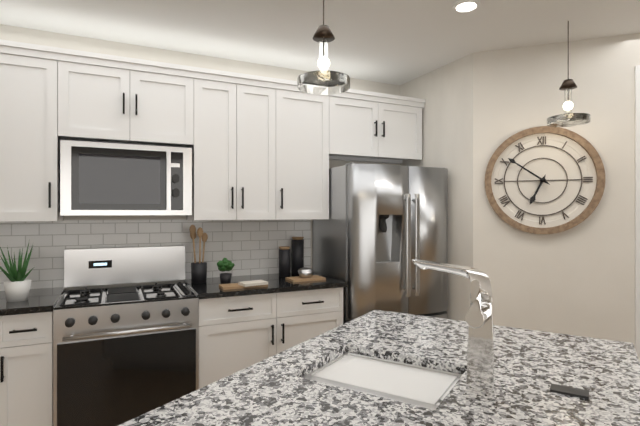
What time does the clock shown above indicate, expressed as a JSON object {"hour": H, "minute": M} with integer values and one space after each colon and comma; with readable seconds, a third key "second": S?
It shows {"hour": 6, "minute": 51}
